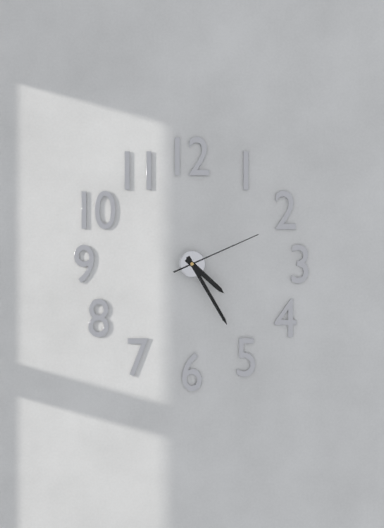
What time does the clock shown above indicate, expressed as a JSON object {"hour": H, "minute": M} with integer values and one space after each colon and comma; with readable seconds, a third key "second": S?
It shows {"hour": 4, "minute": 25, "second": 11}
